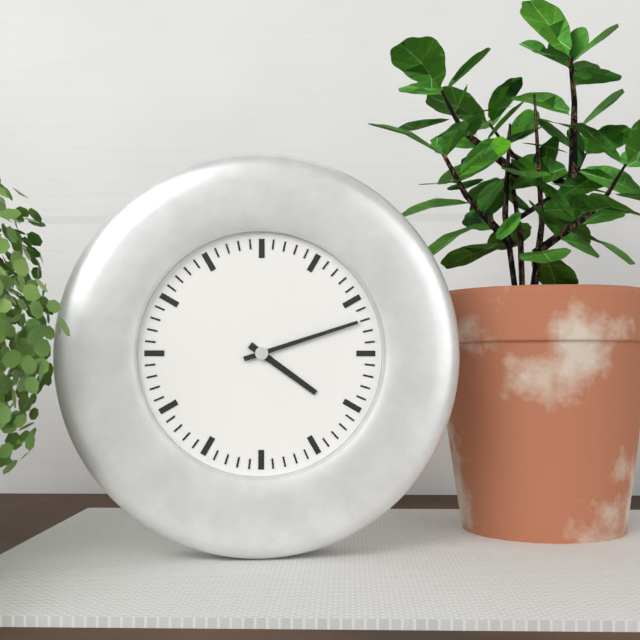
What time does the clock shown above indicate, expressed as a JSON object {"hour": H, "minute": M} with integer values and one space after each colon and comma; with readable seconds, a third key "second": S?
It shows {"hour": 4, "minute": 12}
